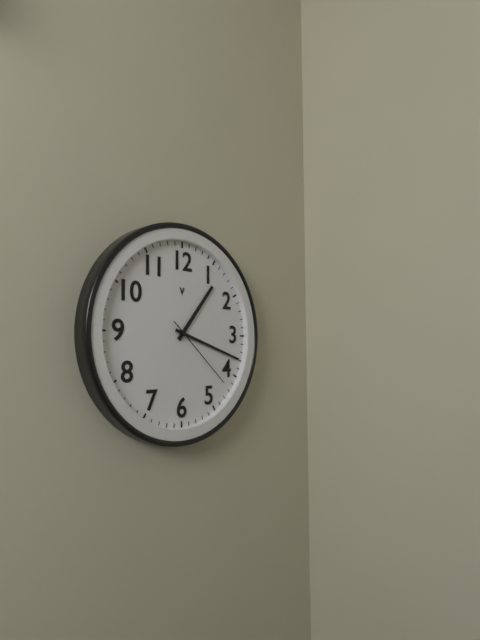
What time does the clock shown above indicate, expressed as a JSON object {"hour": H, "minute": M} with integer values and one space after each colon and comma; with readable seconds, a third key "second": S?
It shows {"hour": 1, "minute": 18, "second": 22}
